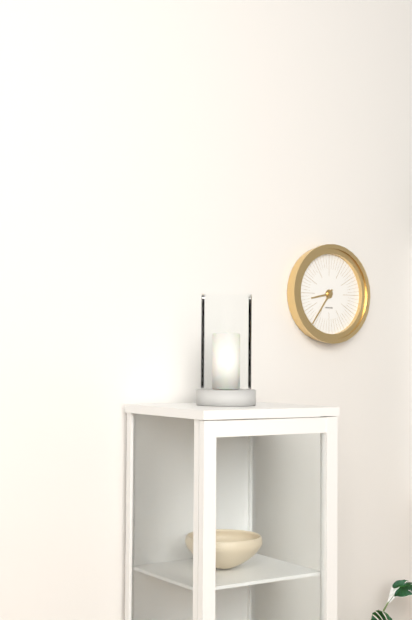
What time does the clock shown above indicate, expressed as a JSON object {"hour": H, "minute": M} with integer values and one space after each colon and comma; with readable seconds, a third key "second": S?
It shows {"hour": 8, "minute": 36}
